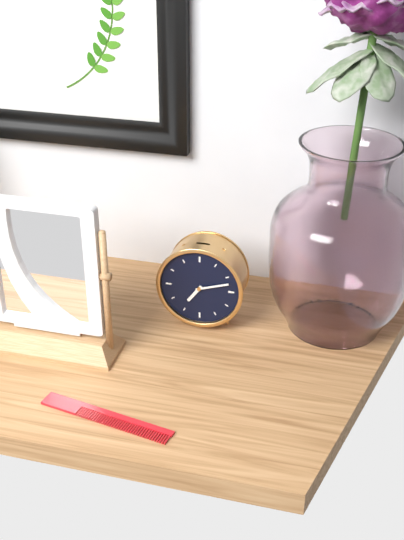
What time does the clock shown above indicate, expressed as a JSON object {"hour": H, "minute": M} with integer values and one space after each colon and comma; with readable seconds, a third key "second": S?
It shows {"hour": 7, "minute": 12}
